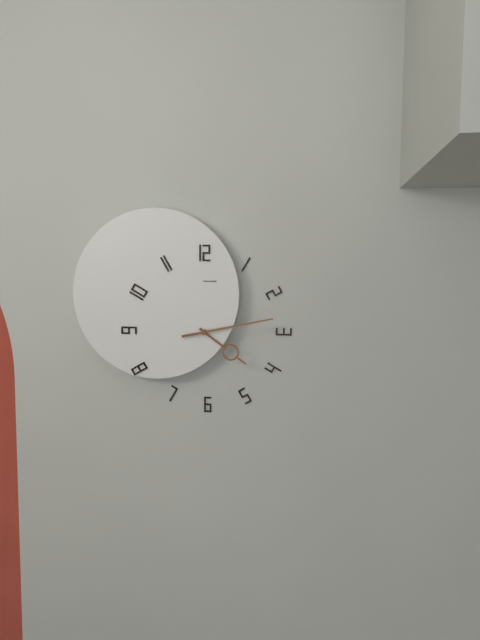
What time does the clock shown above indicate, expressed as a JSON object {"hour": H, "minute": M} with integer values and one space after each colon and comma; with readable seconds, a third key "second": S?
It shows {"hour": 4, "minute": 13}
